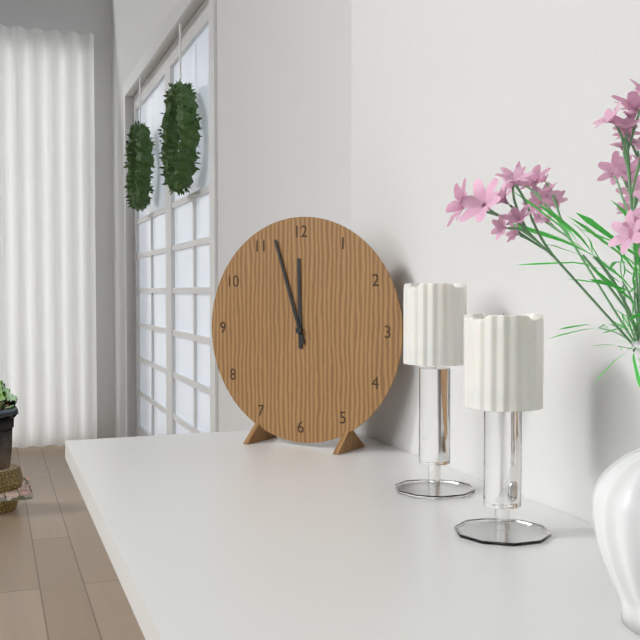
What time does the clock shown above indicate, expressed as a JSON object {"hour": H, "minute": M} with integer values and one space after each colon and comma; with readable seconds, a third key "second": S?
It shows {"hour": 11, "minute": 57}
